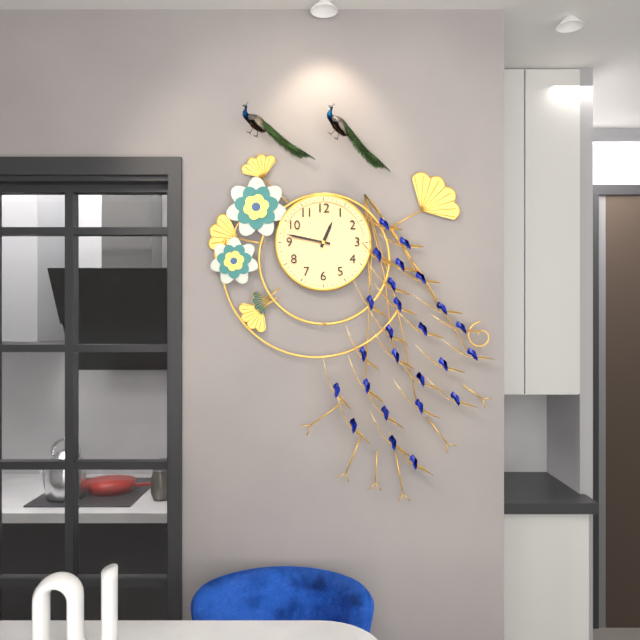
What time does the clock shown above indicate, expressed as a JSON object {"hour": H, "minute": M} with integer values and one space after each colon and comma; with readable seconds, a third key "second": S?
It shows {"hour": 12, "minute": 47}
